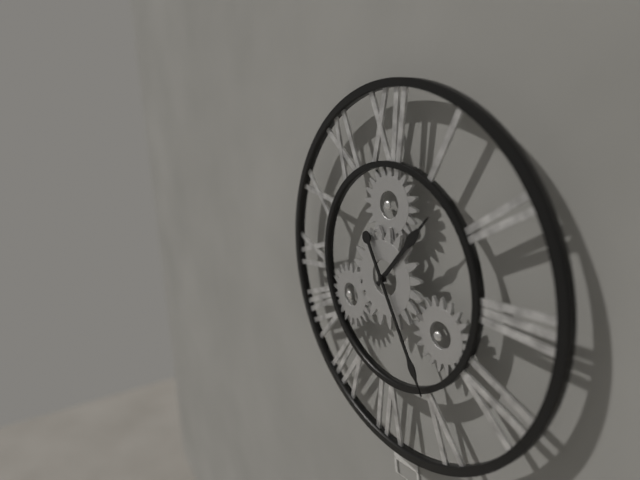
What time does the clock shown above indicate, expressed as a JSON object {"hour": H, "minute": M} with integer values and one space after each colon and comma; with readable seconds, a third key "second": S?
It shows {"hour": 1, "minute": 25}
